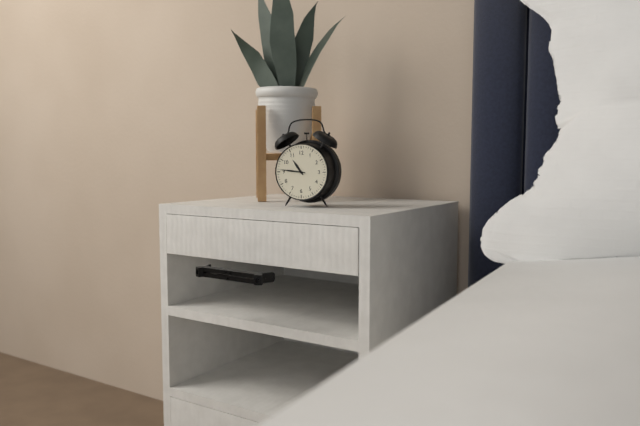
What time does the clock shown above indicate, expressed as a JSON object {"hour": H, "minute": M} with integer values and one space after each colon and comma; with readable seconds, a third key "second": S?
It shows {"hour": 10, "minute": 46}
